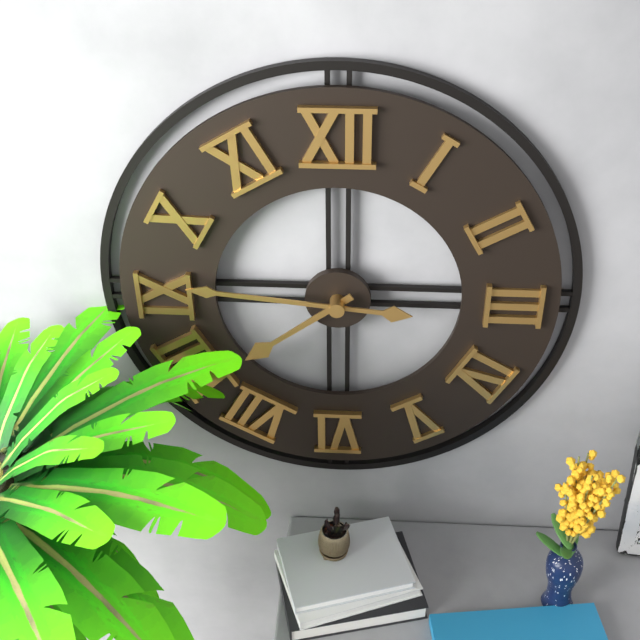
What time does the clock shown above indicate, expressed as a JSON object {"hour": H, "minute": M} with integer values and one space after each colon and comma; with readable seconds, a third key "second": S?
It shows {"hour": 7, "minute": 46}
